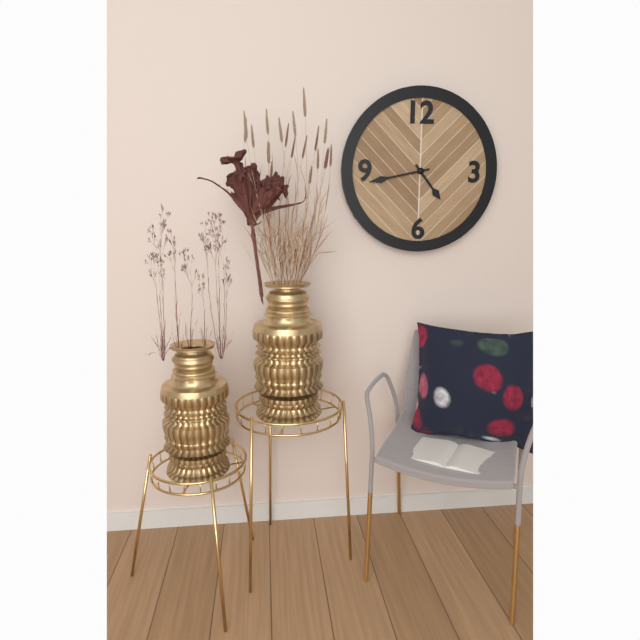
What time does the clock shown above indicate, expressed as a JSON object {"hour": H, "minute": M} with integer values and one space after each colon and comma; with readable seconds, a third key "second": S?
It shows {"hour": 4, "minute": 43}
